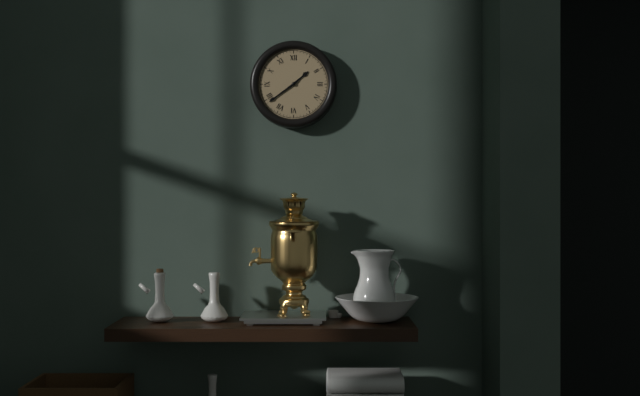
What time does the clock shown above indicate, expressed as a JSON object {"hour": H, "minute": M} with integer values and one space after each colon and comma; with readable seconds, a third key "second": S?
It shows {"hour": 1, "minute": 39}
